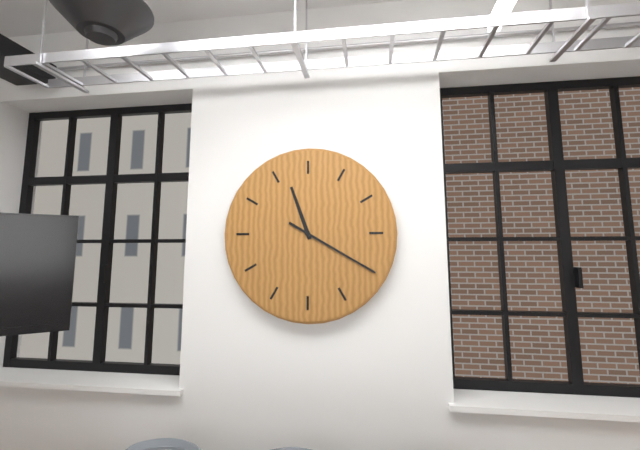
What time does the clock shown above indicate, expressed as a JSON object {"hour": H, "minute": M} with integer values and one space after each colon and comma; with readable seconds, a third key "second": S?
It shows {"hour": 11, "minute": 20}
